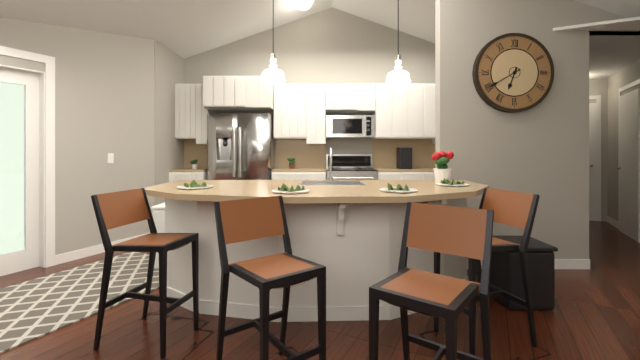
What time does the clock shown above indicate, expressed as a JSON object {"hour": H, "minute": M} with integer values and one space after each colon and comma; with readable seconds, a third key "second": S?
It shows {"hour": 6, "minute": 40}
